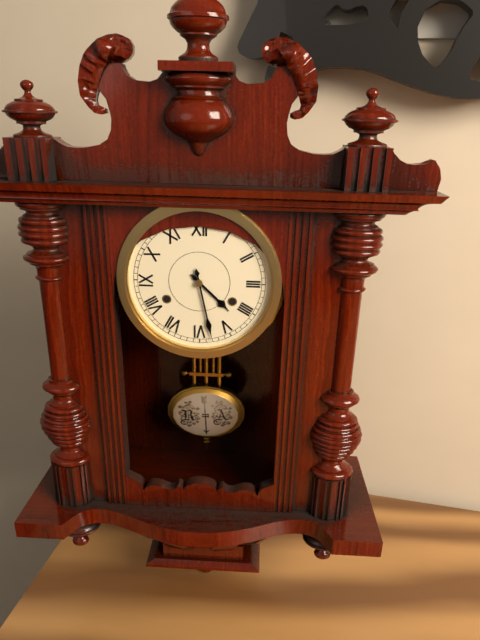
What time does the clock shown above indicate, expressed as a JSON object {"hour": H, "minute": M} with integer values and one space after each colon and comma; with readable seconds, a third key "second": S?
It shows {"hour": 4, "minute": 28}
